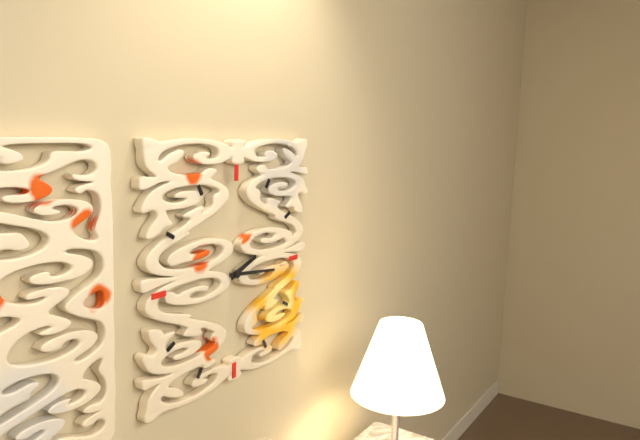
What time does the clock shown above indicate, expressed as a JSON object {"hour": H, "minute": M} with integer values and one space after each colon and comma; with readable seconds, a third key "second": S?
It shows {"hour": 2, "minute": 16}
